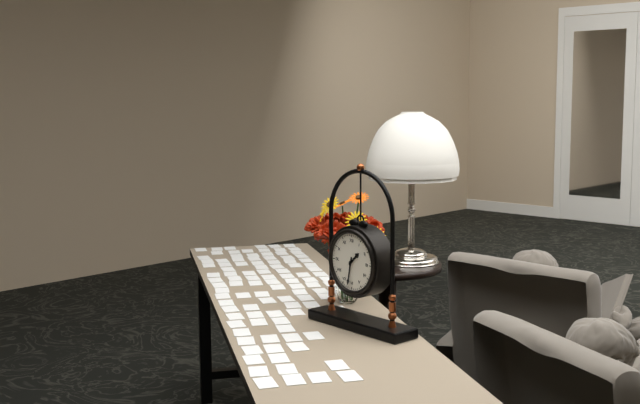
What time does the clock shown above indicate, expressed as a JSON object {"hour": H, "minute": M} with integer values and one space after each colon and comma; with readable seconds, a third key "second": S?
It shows {"hour": 1, "minute": 32}
